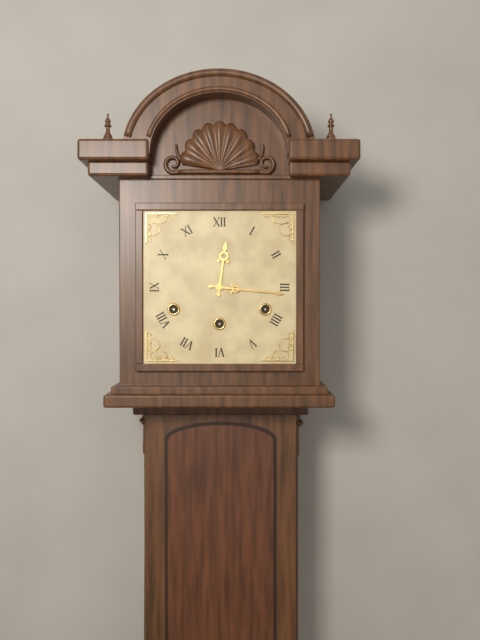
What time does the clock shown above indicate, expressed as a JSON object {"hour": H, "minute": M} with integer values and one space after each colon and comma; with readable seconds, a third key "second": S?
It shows {"hour": 12, "minute": 16}
